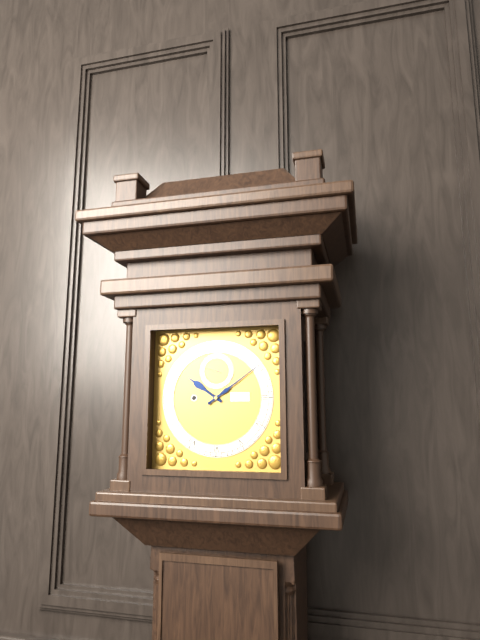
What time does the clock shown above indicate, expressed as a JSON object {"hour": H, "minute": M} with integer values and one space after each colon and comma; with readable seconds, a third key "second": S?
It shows {"hour": 10, "minute": 9}
